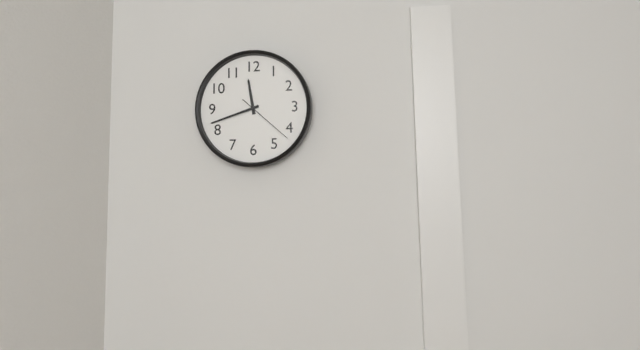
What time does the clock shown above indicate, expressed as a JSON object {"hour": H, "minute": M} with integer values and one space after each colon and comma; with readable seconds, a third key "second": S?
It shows {"hour": 11, "minute": 42, "second": 22}
